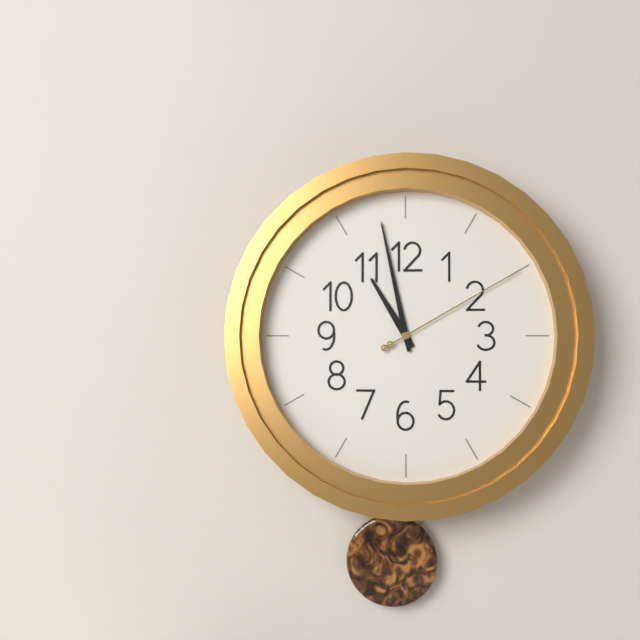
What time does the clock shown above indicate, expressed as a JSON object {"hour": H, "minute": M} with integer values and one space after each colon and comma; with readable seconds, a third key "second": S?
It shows {"hour": 10, "minute": 58, "second": 10}
